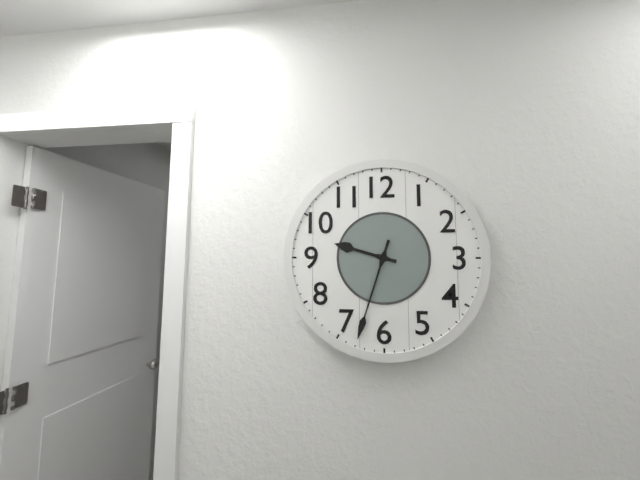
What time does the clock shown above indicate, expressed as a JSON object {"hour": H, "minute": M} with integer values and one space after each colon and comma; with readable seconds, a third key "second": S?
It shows {"hour": 9, "minute": 33}
